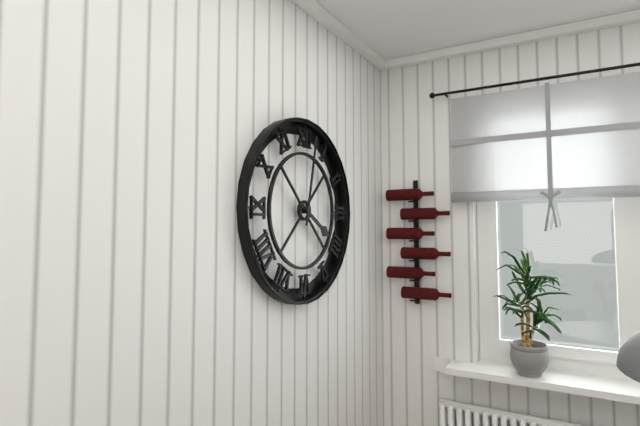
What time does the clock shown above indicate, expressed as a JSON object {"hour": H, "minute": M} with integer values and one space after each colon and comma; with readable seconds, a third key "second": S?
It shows {"hour": 4, "minute": 2}
